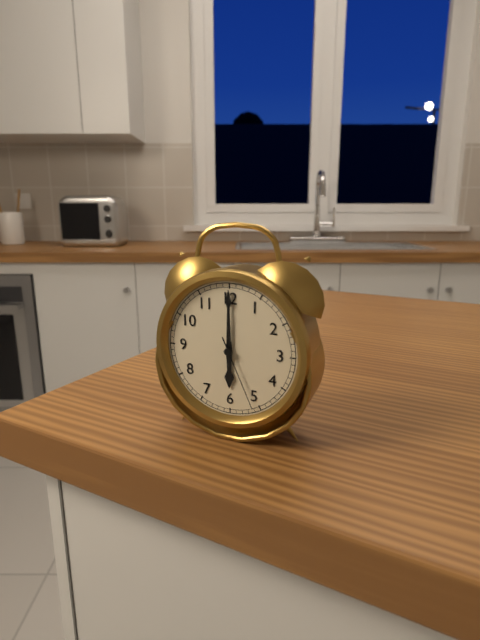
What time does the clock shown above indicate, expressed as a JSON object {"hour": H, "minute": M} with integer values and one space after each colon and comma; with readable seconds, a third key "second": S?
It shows {"hour": 6, "minute": 0, "second": 26}
